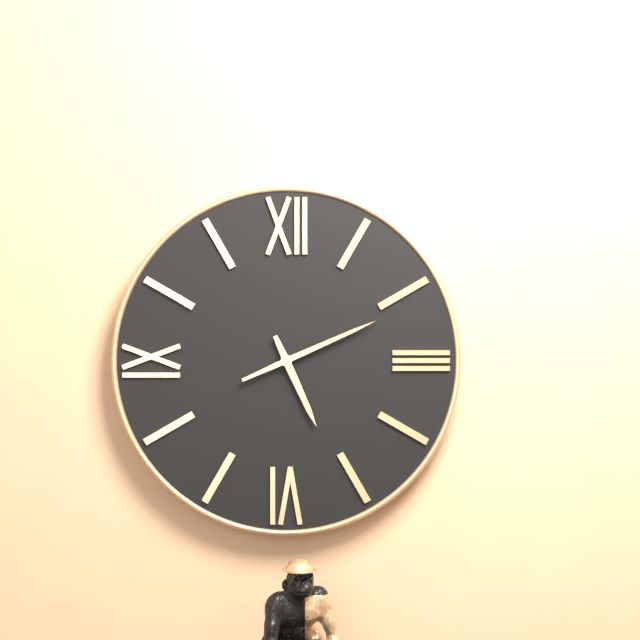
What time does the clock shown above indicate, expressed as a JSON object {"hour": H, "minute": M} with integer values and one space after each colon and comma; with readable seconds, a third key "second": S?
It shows {"hour": 5, "minute": 11}
